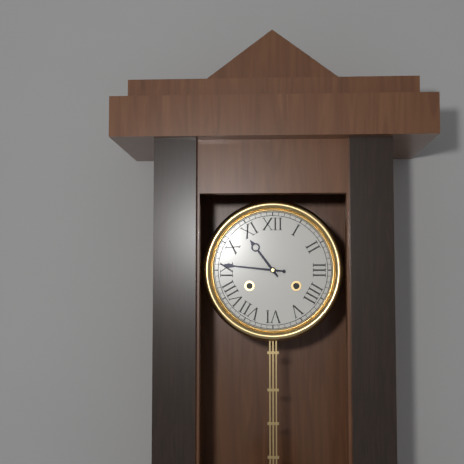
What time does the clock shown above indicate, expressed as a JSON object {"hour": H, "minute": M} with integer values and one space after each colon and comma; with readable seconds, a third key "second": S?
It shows {"hour": 10, "minute": 46}
